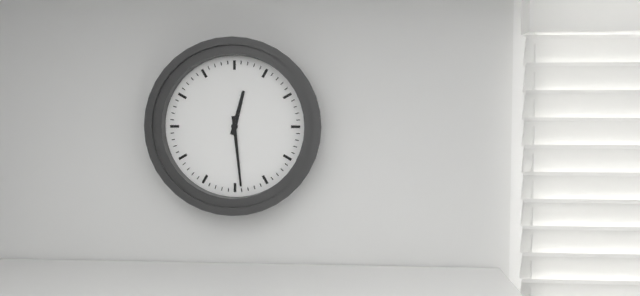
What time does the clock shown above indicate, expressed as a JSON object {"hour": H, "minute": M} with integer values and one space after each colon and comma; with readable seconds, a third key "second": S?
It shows {"hour": 12, "minute": 29}
